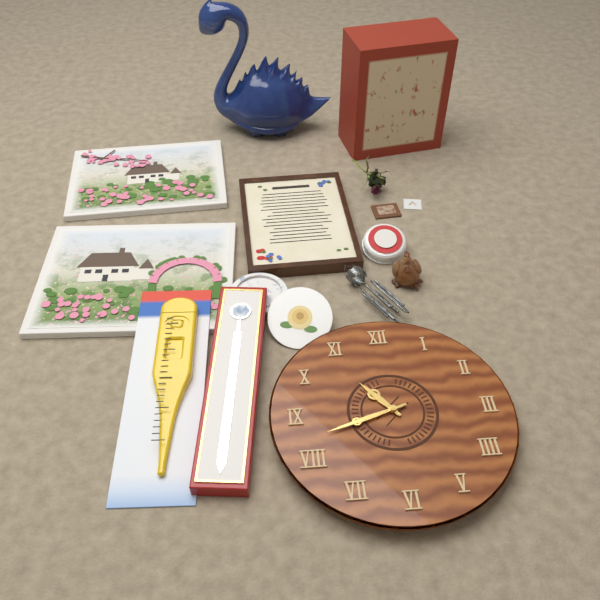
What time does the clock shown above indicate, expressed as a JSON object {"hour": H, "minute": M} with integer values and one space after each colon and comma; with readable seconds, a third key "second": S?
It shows {"hour": 10, "minute": 42}
